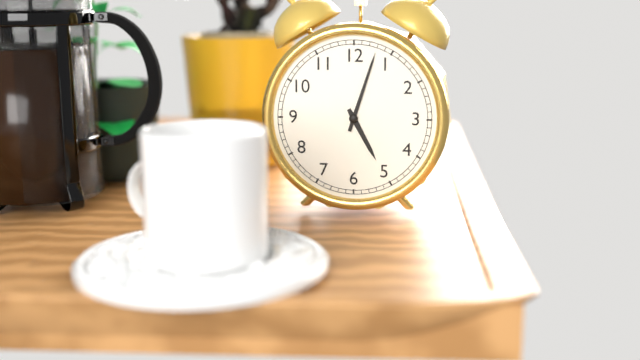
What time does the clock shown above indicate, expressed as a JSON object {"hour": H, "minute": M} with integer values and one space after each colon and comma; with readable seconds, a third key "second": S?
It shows {"hour": 5, "minute": 3}
